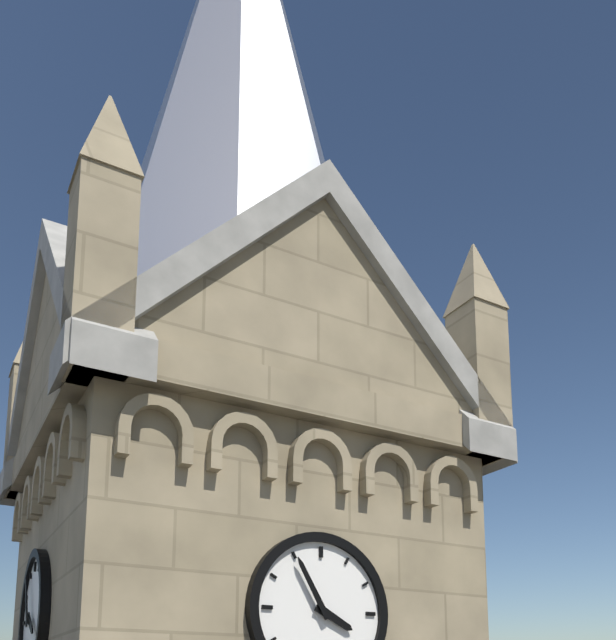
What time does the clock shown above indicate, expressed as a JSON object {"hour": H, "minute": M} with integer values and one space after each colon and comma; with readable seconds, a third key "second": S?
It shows {"hour": 3, "minute": 55}
